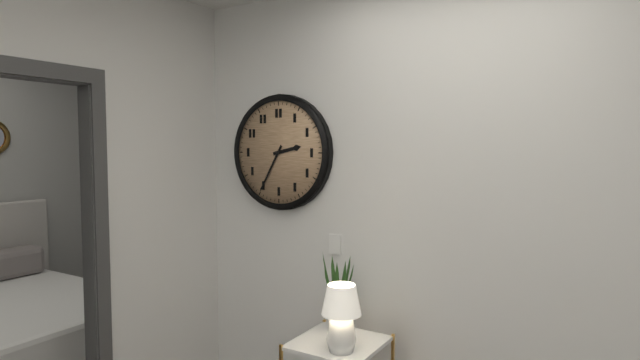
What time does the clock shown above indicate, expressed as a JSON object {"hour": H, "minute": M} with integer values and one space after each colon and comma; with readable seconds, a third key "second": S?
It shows {"hour": 2, "minute": 35}
